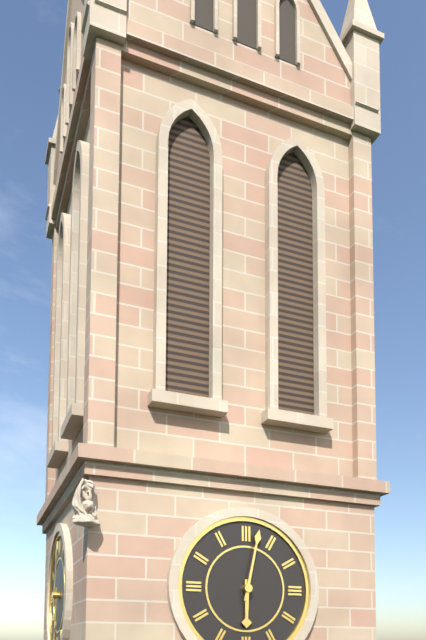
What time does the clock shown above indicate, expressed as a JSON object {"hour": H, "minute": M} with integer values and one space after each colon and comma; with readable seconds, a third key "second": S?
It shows {"hour": 6, "minute": 2}
